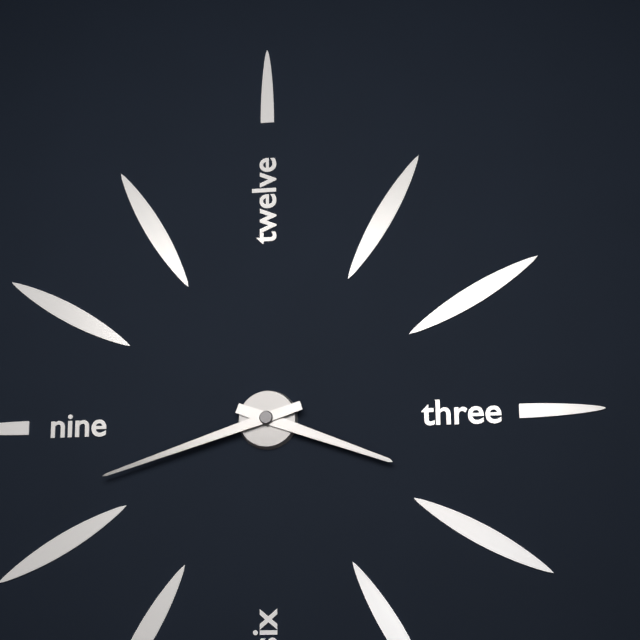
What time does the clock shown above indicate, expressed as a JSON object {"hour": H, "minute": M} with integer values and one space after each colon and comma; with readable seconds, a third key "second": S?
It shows {"hour": 3, "minute": 42}
